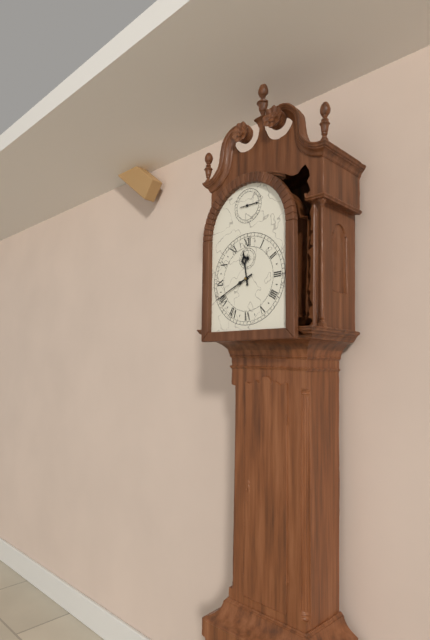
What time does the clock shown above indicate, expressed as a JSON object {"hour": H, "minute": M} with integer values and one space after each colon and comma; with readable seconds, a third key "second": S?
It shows {"hour": 11, "minute": 41}
